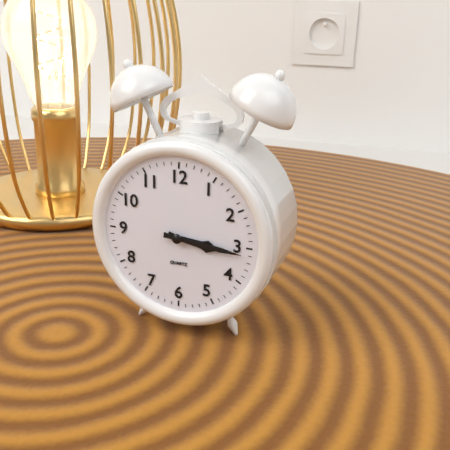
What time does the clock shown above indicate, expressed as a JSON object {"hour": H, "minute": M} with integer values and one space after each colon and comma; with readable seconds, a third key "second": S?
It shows {"hour": 3, "minute": 16}
